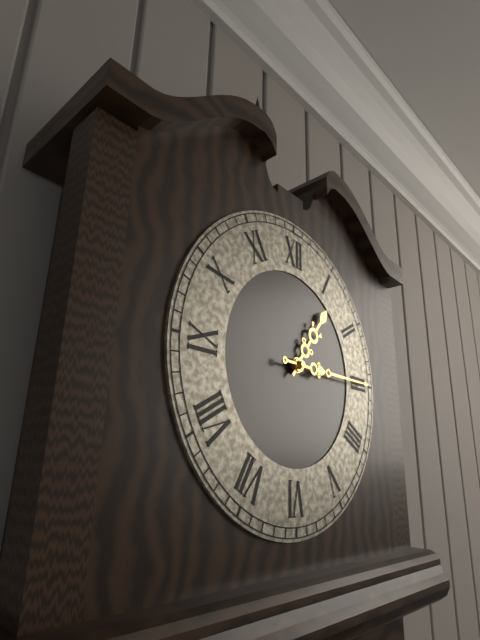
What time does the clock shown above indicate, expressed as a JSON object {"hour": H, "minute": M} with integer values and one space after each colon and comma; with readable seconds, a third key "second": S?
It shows {"hour": 1, "minute": 15}
